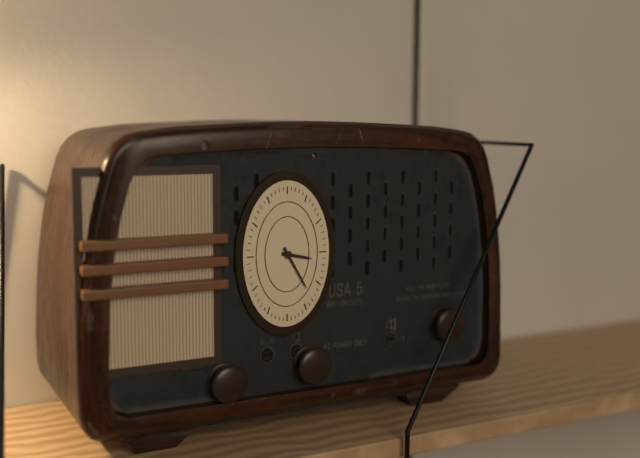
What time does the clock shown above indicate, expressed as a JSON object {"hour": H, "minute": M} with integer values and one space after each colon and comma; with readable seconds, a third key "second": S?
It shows {"hour": 3, "minute": 25}
